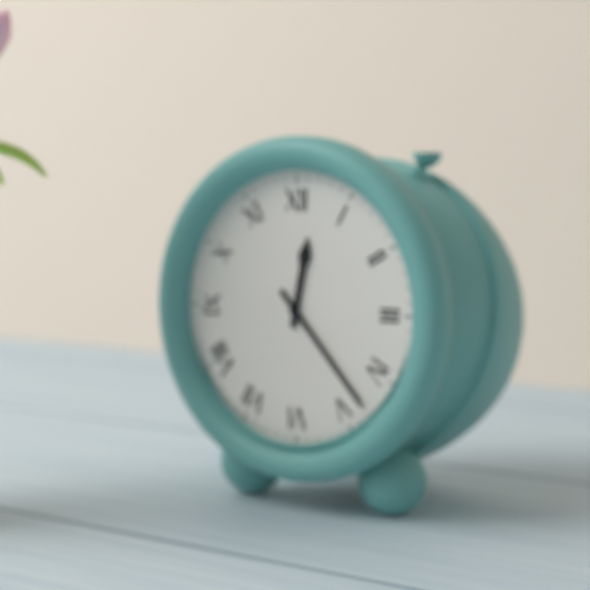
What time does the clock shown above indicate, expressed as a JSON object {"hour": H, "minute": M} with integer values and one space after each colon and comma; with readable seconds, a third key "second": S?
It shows {"hour": 12, "minute": 23}
